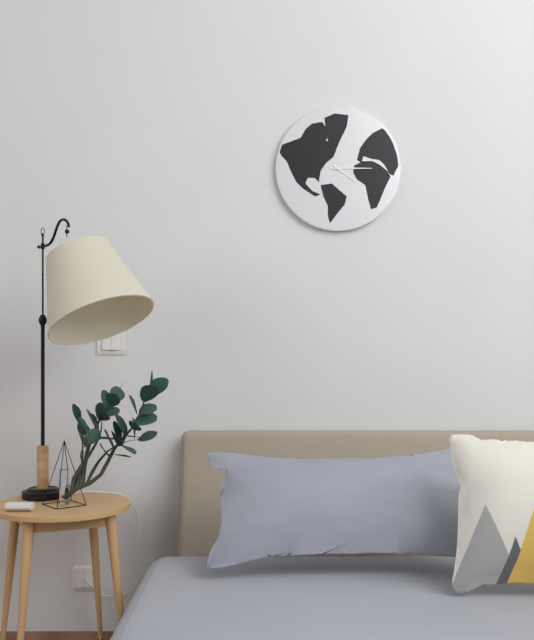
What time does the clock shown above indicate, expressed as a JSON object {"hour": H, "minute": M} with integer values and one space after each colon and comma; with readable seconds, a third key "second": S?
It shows {"hour": 4, "minute": 15}
